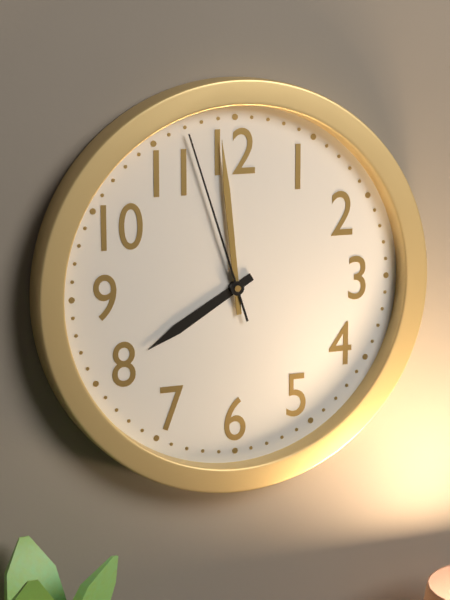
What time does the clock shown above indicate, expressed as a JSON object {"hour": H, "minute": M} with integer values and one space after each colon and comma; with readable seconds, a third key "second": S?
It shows {"hour": 7, "minute": 59, "second": 57}
